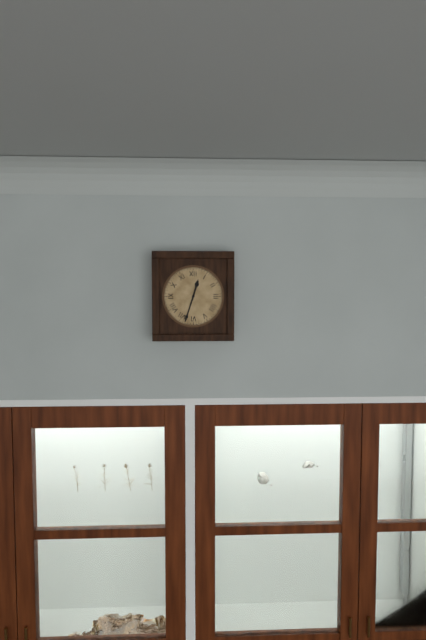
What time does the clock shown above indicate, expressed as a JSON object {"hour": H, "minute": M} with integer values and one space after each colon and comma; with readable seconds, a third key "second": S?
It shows {"hour": 12, "minute": 33}
